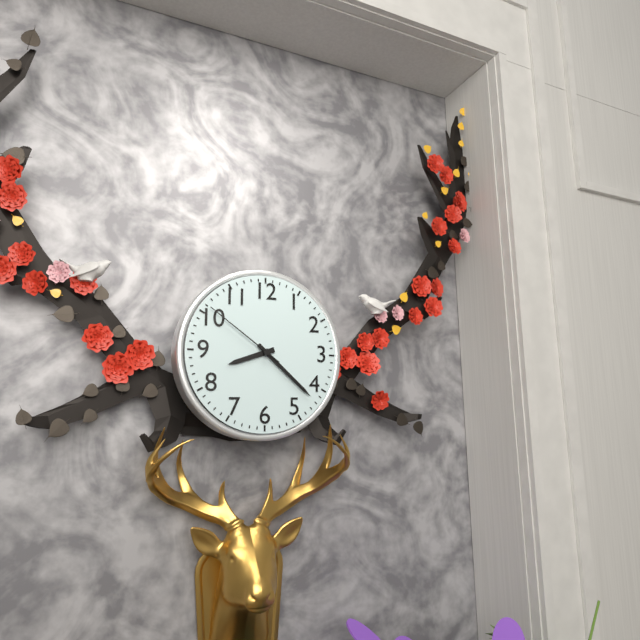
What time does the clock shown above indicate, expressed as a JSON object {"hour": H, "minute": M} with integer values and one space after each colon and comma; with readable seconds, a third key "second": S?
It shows {"hour": 8, "minute": 22, "second": 51}
